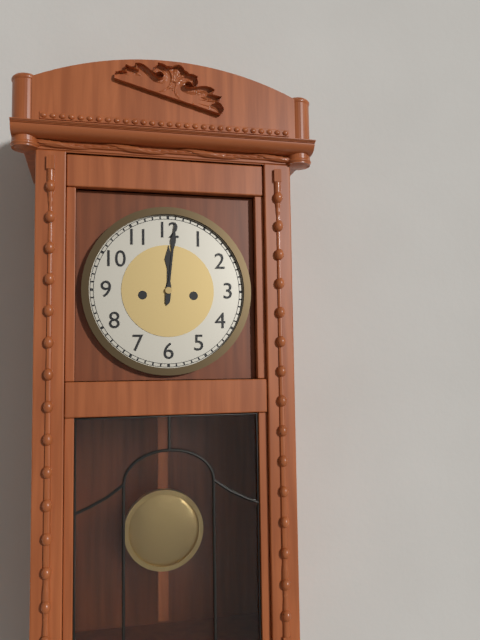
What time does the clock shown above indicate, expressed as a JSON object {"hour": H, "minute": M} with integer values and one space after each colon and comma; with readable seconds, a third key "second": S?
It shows {"hour": 12, "minute": 1}
